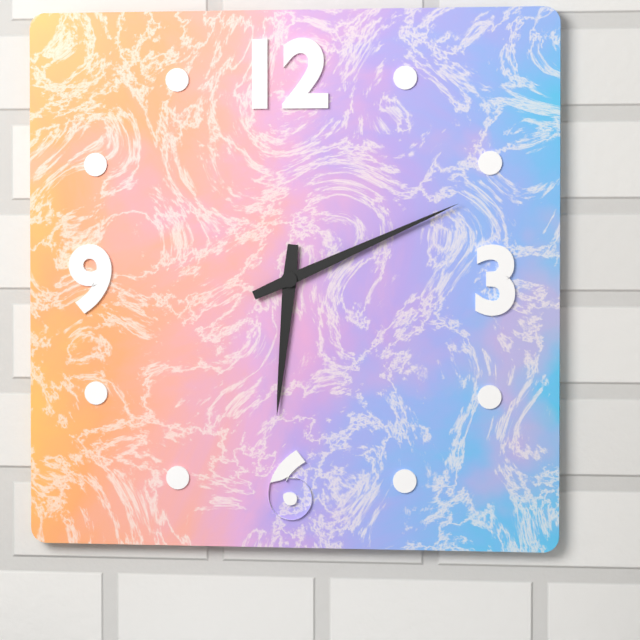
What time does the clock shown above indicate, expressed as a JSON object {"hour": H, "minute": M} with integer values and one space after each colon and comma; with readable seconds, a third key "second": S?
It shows {"hour": 6, "minute": 11}
